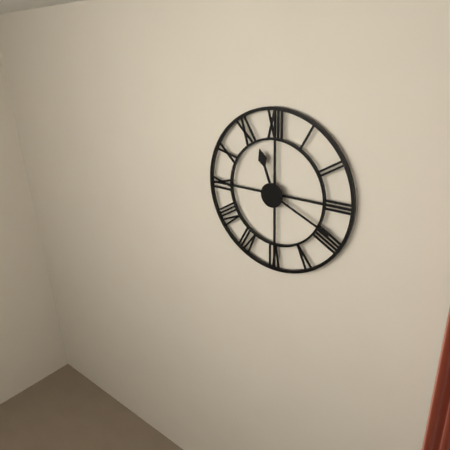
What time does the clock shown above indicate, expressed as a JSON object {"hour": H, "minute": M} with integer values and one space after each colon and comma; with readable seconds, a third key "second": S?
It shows {"hour": 11, "minute": 19}
